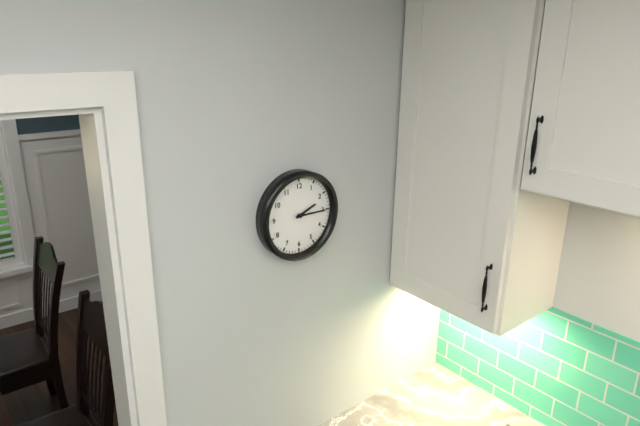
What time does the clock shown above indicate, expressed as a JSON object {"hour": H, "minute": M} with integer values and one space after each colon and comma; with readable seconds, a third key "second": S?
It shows {"hour": 2, "minute": 15}
